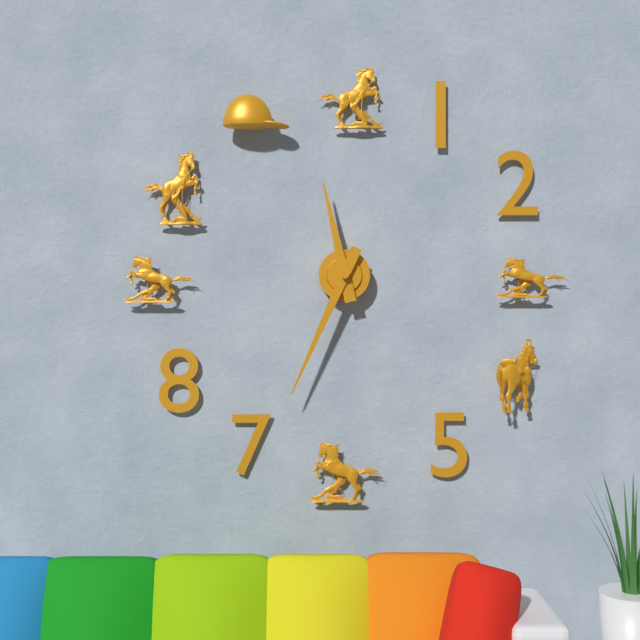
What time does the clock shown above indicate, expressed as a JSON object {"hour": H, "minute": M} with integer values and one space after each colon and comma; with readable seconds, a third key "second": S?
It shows {"hour": 11, "minute": 34}
